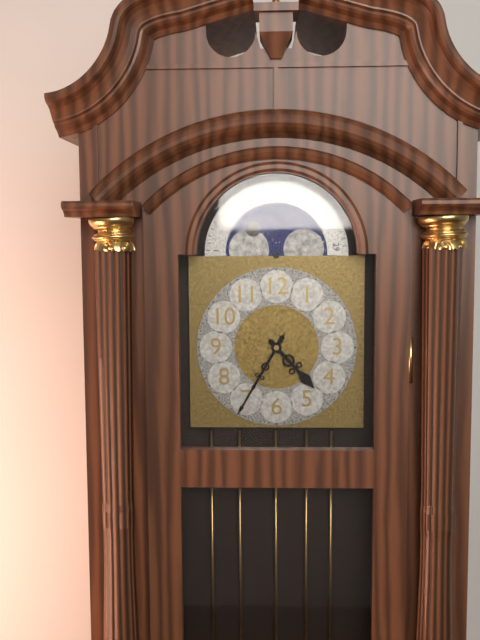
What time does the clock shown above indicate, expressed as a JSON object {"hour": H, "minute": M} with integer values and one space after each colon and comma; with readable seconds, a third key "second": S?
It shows {"hour": 4, "minute": 35}
